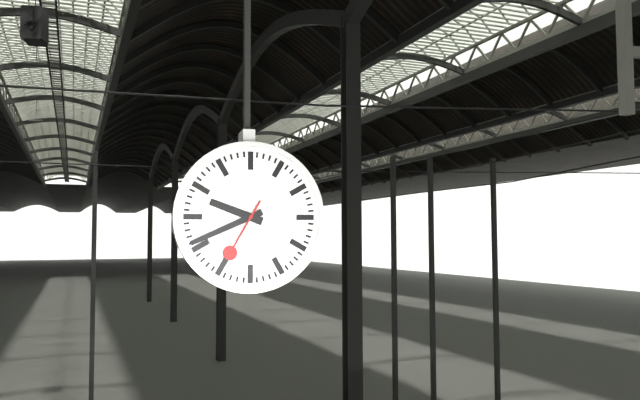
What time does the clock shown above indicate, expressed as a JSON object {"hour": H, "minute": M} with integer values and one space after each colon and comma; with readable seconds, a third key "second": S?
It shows {"hour": 9, "minute": 41, "second": 35}
